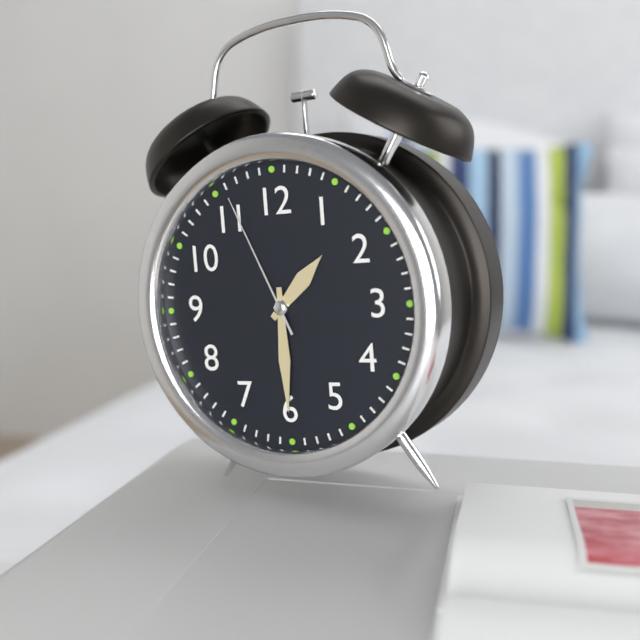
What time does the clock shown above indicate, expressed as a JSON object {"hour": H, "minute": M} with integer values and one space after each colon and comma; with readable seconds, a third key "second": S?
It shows {"hour": 1, "minute": 30, "second": 56}
